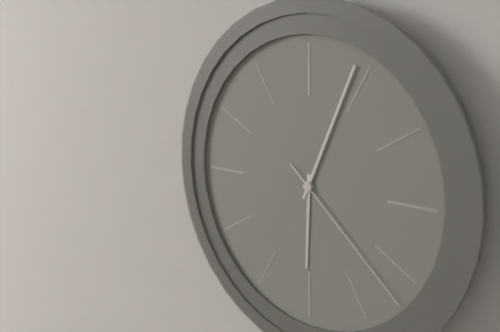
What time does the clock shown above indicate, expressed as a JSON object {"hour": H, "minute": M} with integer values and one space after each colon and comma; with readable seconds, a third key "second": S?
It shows {"hour": 6, "minute": 4, "second": 22}
